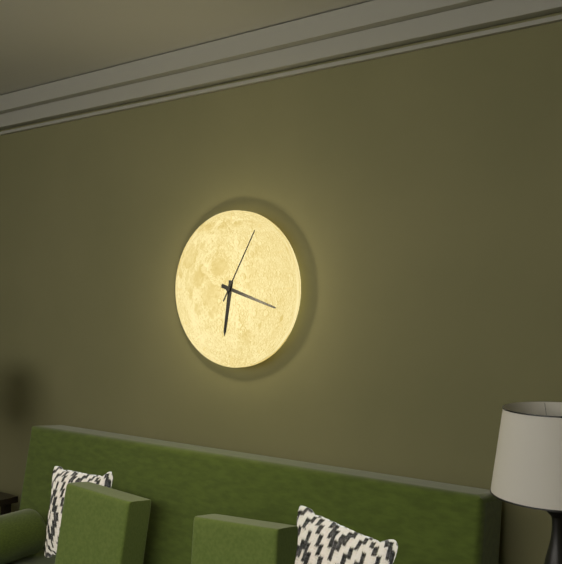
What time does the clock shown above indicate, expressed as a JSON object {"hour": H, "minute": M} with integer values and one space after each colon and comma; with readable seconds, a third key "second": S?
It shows {"hour": 6, "minute": 18, "second": 5}
